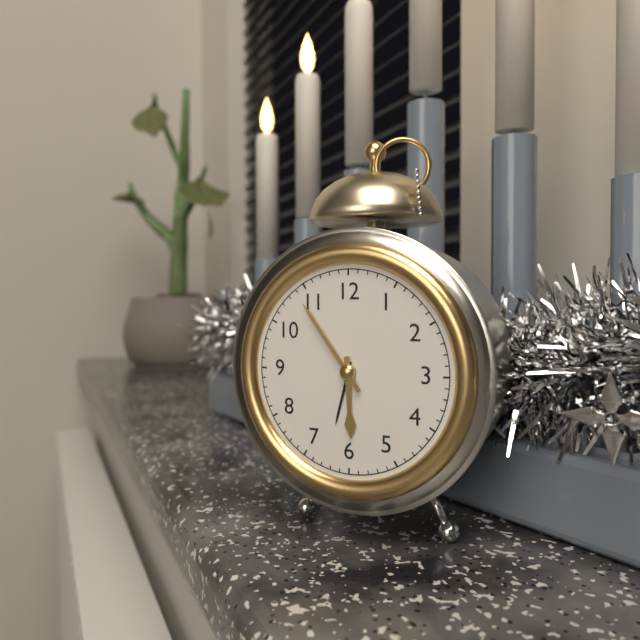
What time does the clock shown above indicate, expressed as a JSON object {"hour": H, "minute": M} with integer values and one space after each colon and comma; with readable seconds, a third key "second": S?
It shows {"hour": 5, "minute": 54}
